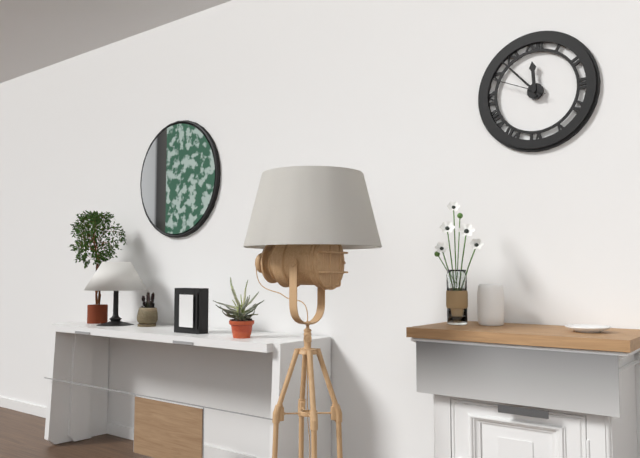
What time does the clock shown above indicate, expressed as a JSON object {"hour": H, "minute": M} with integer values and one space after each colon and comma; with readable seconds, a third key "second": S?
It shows {"hour": 11, "minute": 53, "second": 49}
